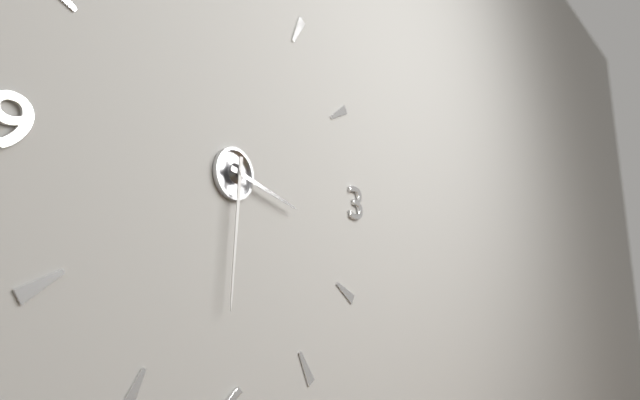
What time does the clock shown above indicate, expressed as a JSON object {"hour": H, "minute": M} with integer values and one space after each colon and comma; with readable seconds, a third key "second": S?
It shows {"hour": 3, "minute": 31}
